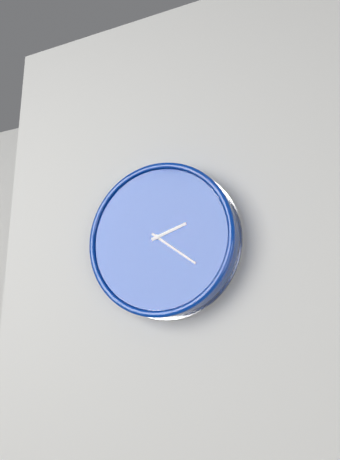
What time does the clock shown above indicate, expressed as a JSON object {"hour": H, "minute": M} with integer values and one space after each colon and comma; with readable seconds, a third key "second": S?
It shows {"hour": 2, "minute": 21}
